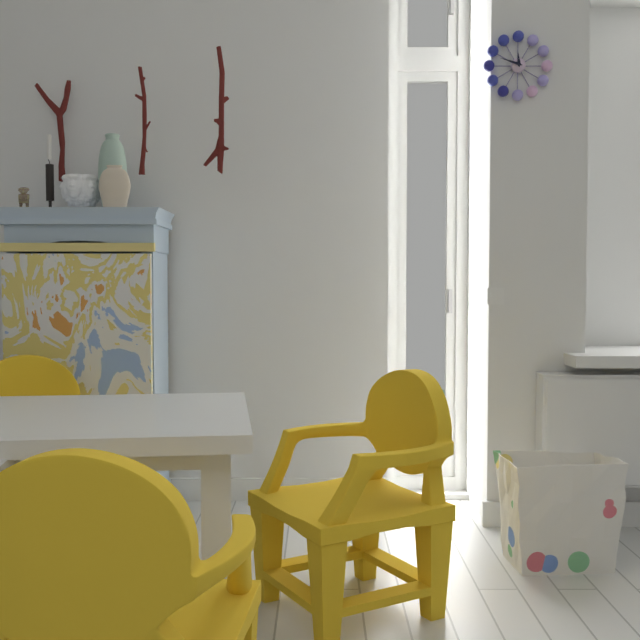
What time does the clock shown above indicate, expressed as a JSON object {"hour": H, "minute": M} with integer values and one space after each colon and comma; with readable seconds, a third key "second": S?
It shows {"hour": 11, "minute": 48}
